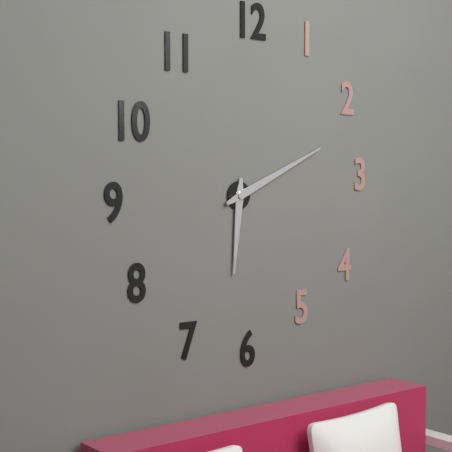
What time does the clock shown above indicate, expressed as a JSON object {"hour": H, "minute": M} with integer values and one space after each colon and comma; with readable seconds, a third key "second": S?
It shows {"hour": 6, "minute": 11}
